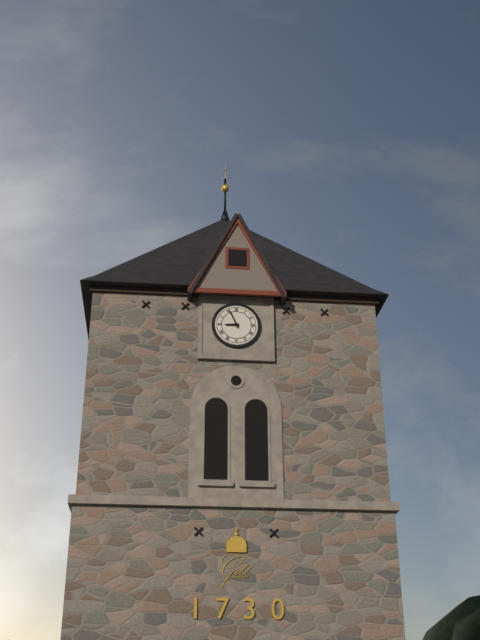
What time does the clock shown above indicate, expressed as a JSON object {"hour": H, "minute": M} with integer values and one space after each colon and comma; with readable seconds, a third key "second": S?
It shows {"hour": 8, "minute": 56}
